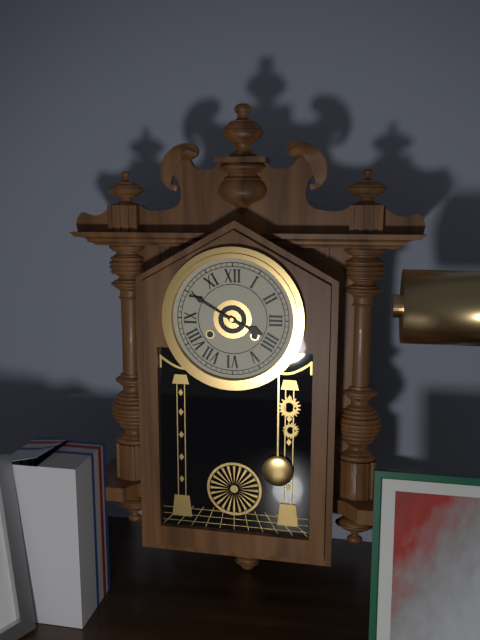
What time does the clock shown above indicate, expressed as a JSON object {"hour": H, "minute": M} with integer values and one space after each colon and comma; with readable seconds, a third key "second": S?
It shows {"hour": 3, "minute": 50}
